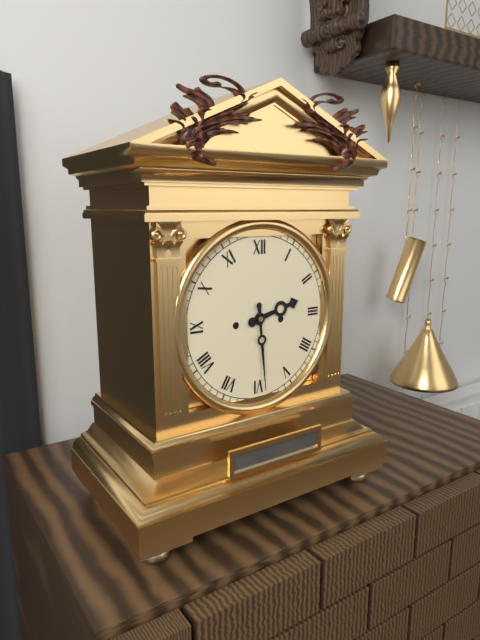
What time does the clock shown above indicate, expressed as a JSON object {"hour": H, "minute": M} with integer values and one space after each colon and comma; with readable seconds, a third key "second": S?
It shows {"hour": 2, "minute": 29}
